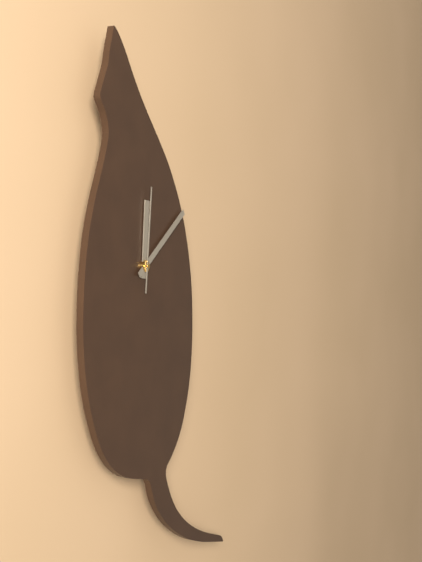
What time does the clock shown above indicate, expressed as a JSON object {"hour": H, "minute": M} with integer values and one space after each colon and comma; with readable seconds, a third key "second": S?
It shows {"hour": 12, "minute": 9, "second": 1}
